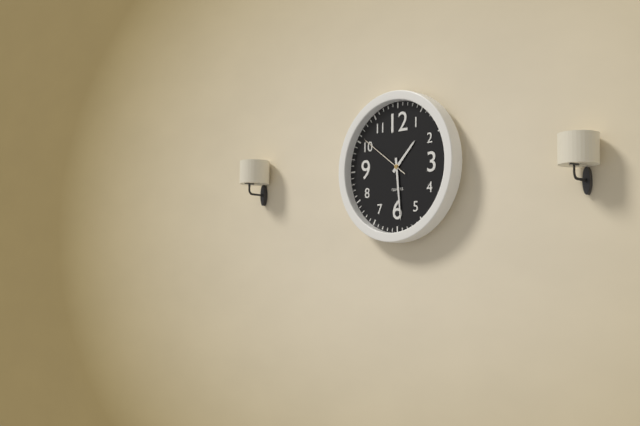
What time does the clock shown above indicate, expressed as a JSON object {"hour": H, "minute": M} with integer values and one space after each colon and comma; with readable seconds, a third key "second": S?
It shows {"hour": 1, "minute": 29, "second": 51}
